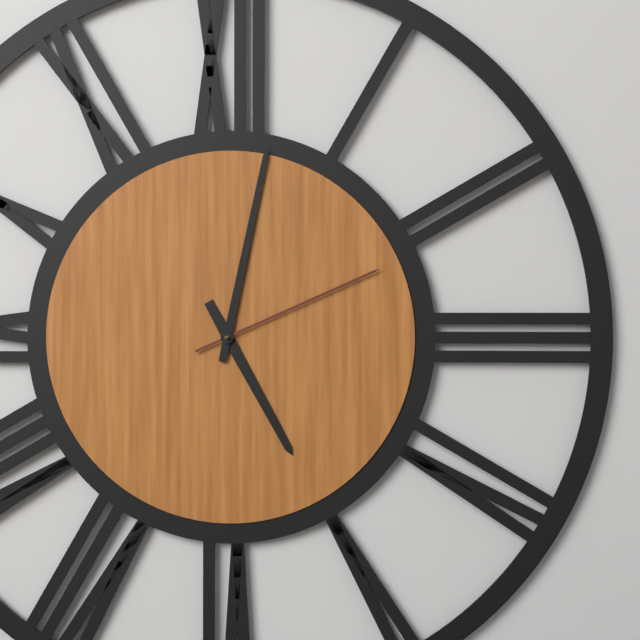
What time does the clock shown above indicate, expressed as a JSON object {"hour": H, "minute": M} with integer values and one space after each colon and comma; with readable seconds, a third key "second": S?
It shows {"hour": 5, "minute": 2, "second": 11}
